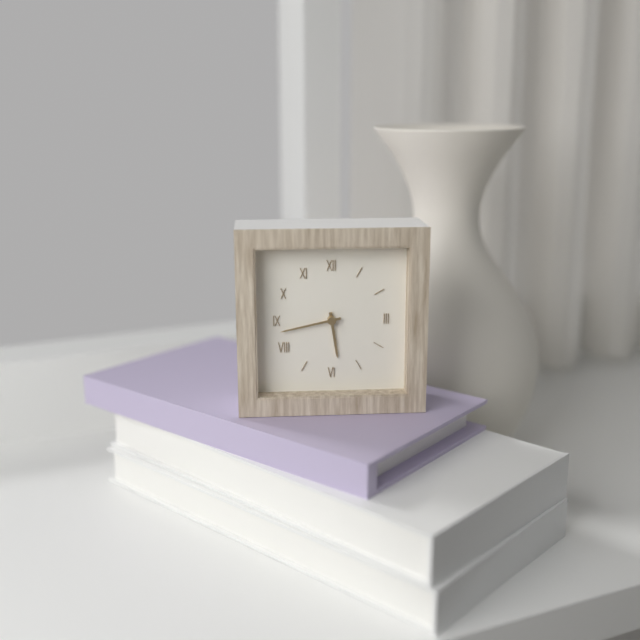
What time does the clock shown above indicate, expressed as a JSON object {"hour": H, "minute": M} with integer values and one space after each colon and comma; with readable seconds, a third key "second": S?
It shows {"hour": 5, "minute": 43}
